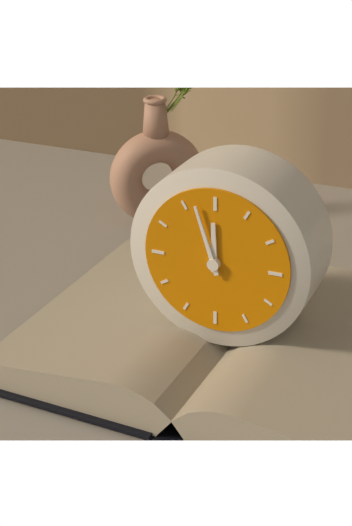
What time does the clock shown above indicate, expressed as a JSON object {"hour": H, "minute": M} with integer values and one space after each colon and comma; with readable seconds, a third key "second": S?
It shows {"hour": 11, "minute": 57}
